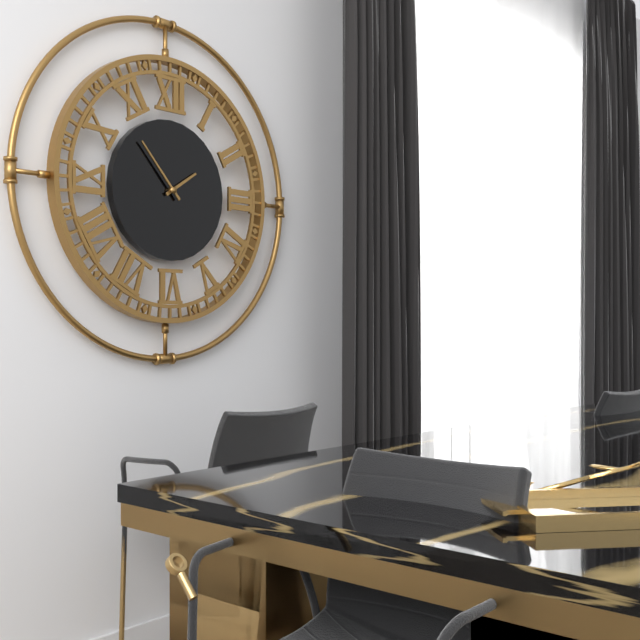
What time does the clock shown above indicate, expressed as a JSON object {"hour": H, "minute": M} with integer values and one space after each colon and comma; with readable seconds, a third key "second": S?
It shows {"hour": 1, "minute": 53}
